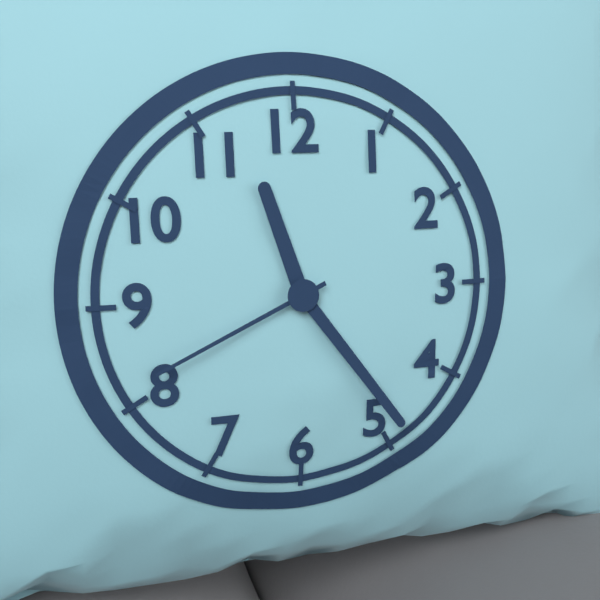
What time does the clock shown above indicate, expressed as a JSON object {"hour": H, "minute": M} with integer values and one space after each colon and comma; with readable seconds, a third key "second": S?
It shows {"hour": 11, "minute": 24, "second": 41}
